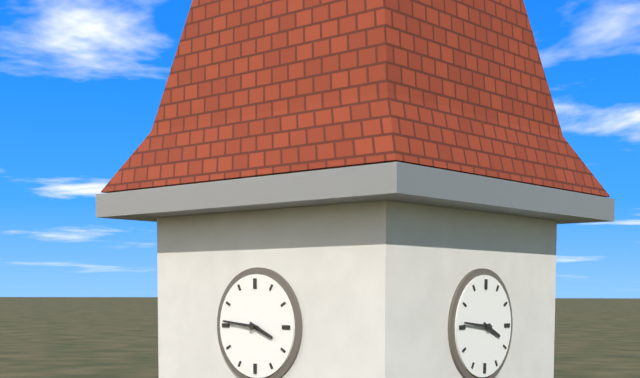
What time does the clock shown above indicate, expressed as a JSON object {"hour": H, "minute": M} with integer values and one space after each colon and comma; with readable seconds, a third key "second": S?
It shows {"hour": 3, "minute": 46}
